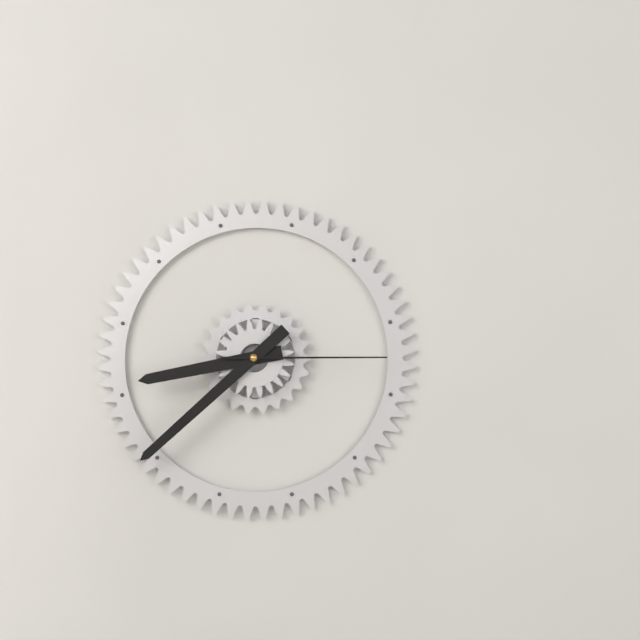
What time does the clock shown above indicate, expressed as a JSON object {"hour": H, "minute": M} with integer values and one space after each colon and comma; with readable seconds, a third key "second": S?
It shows {"hour": 8, "minute": 38, "second": 15}
